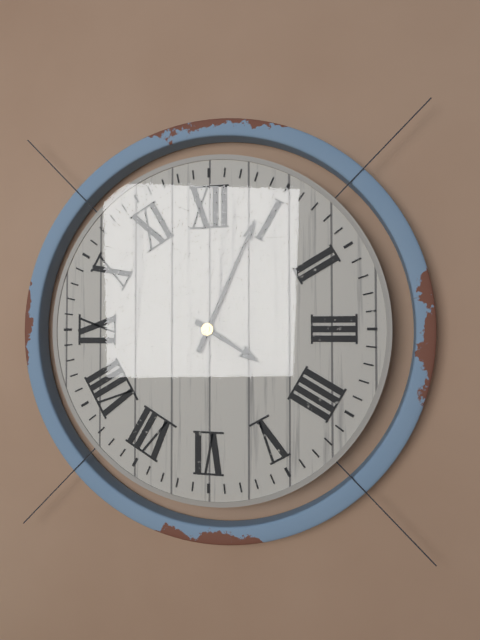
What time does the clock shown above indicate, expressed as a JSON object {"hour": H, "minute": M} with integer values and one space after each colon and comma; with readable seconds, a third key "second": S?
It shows {"hour": 4, "minute": 4}
